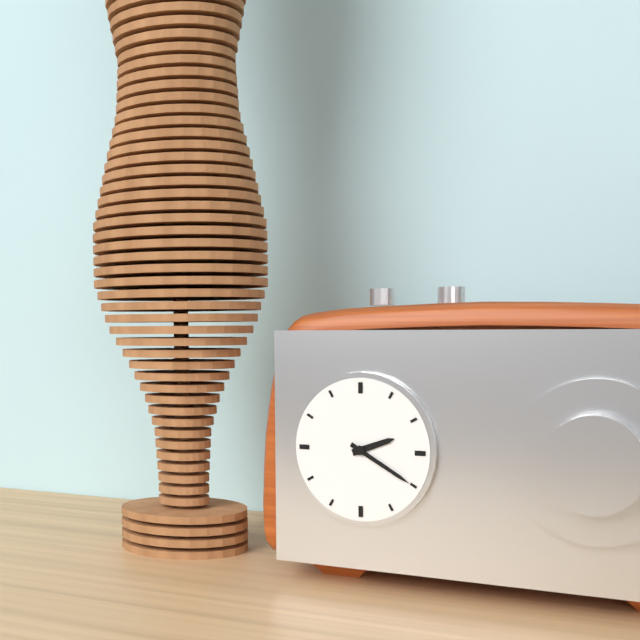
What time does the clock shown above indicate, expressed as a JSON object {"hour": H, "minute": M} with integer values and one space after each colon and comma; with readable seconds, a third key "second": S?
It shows {"hour": 2, "minute": 20}
